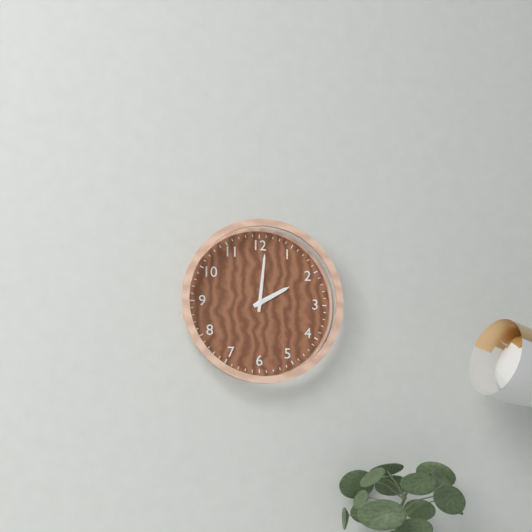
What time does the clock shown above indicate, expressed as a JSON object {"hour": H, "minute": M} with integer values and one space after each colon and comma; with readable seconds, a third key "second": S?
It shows {"hour": 2, "minute": 1}
